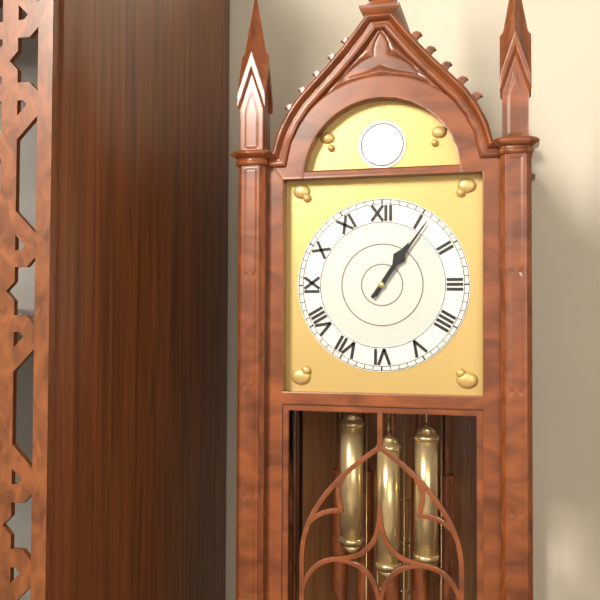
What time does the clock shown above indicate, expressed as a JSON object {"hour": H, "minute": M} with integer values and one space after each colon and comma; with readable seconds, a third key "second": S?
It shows {"hour": 1, "minute": 6}
